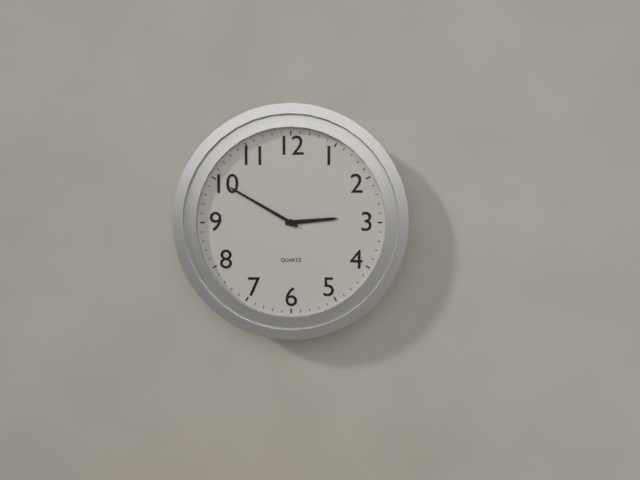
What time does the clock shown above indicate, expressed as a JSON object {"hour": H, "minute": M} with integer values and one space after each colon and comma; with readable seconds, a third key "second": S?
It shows {"hour": 2, "minute": 50}
